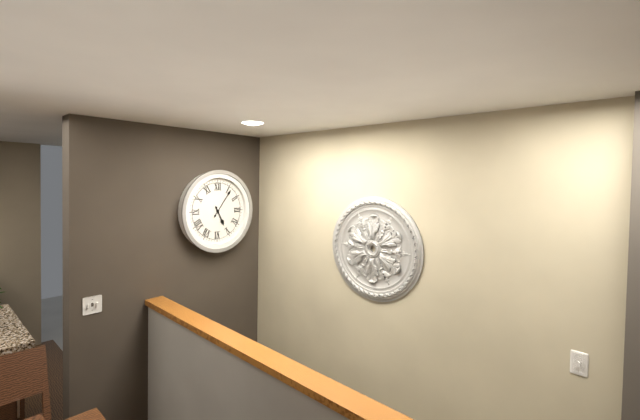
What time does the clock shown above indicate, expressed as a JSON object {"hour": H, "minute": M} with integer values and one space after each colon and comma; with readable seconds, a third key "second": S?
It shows {"hour": 5, "minute": 6}
